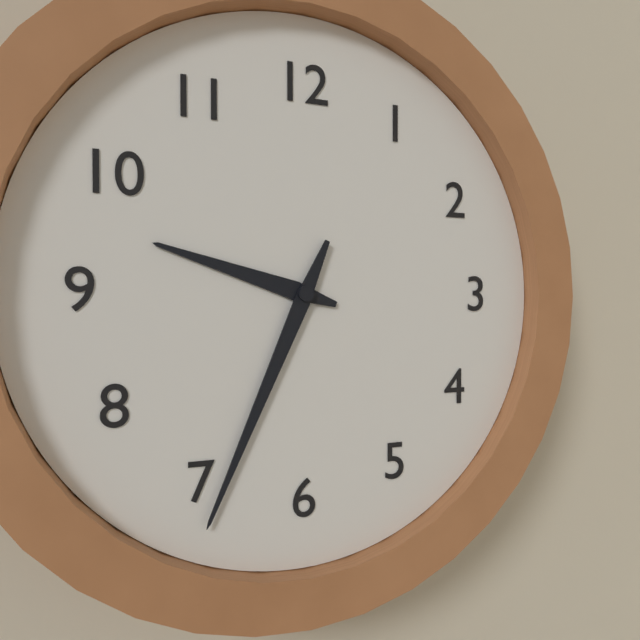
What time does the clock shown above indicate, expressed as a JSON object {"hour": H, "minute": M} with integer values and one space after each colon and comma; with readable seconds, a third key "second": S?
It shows {"hour": 9, "minute": 34}
